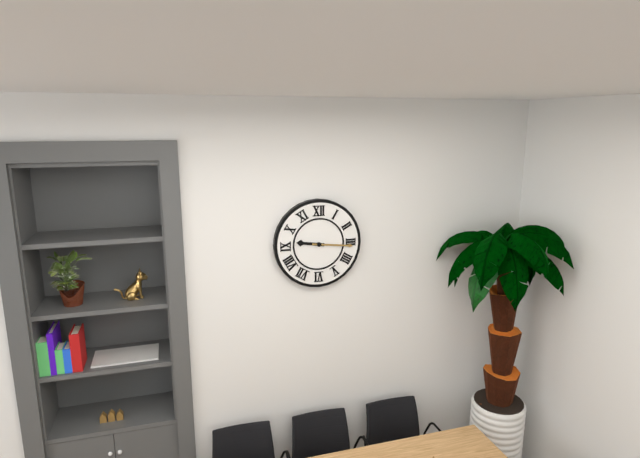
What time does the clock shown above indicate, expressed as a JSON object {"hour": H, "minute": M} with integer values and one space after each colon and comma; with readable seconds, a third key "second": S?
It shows {"hour": 9, "minute": 16}
